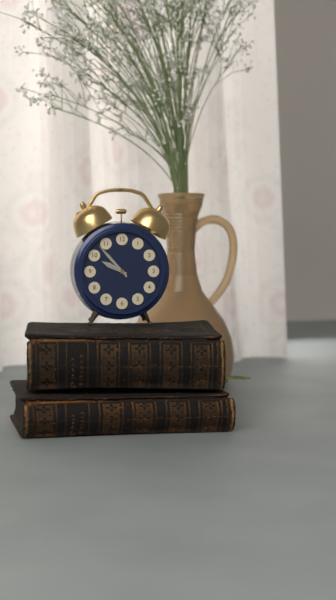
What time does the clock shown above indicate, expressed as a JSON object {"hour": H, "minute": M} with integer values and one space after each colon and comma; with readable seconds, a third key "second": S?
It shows {"hour": 9, "minute": 53}
